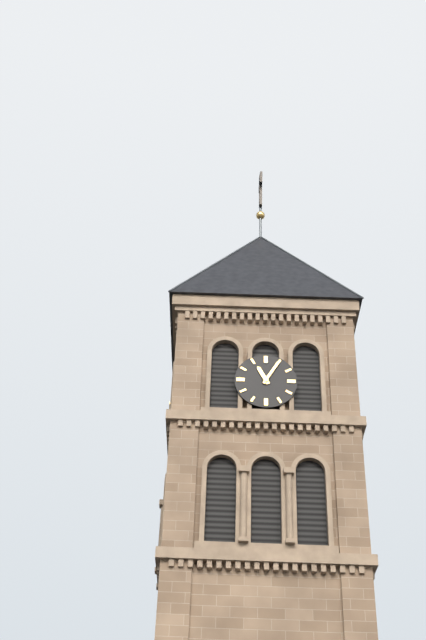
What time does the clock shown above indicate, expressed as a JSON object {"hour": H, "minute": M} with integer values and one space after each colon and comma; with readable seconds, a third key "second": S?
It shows {"hour": 11, "minute": 5}
